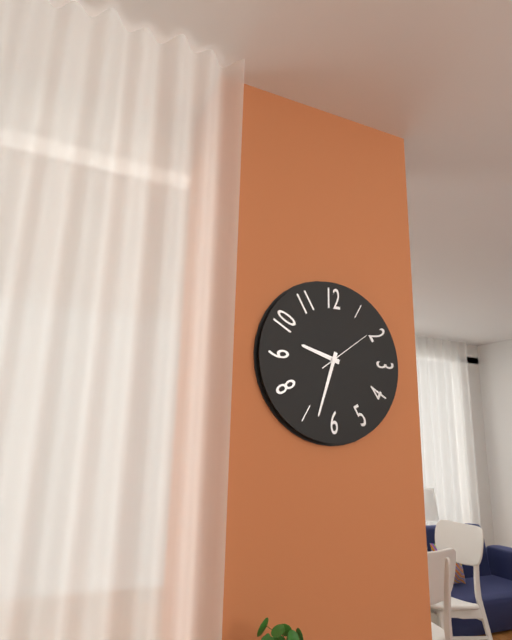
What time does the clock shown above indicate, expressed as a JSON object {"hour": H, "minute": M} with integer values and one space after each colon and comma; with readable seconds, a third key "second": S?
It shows {"hour": 9, "minute": 33, "second": 9}
